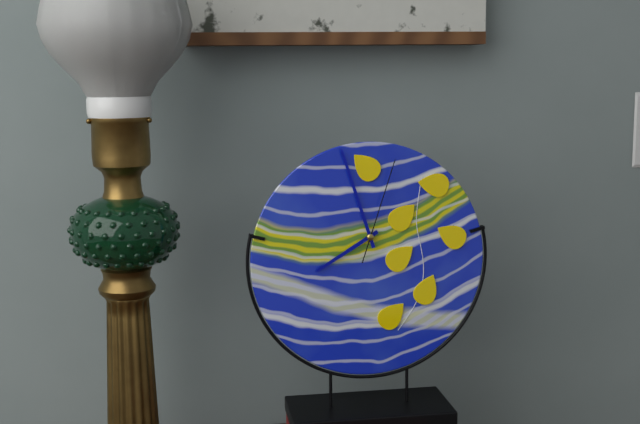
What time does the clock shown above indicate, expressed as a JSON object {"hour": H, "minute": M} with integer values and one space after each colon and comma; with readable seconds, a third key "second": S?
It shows {"hour": 7, "minute": 57, "second": 3}
